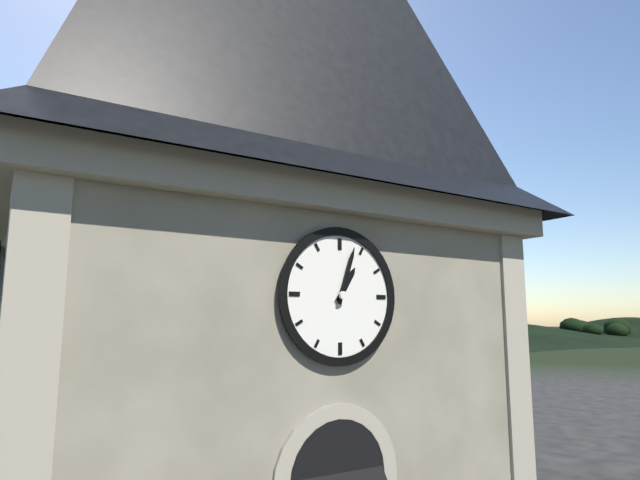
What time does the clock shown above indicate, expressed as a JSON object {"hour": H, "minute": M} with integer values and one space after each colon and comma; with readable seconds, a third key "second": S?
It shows {"hour": 1, "minute": 3}
